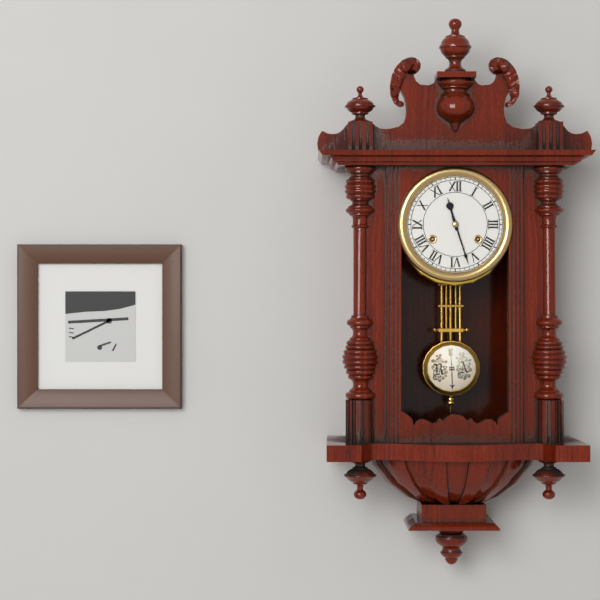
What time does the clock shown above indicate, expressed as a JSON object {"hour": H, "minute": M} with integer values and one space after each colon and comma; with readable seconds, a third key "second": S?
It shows {"hour": 11, "minute": 27}
